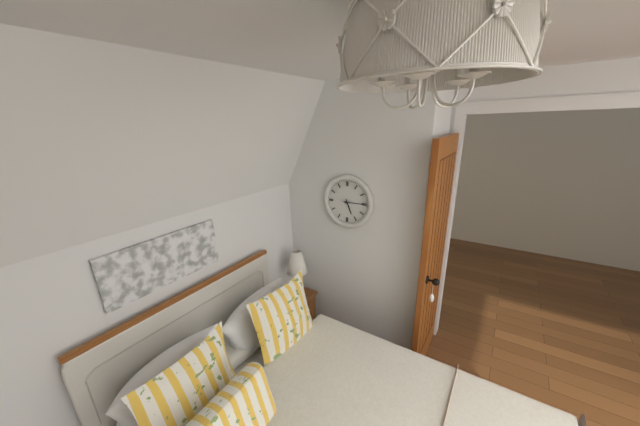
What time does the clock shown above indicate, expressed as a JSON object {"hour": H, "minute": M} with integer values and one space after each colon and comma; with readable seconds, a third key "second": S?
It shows {"hour": 5, "minute": 15}
